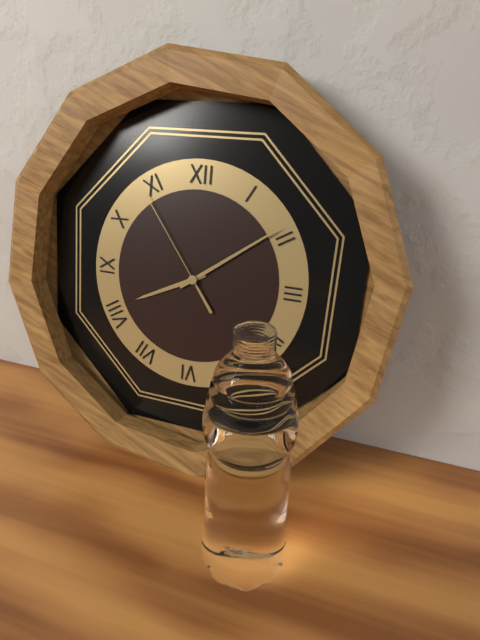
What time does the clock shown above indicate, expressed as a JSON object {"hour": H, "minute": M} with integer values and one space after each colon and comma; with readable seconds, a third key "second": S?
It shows {"hour": 8, "minute": 9, "second": 54}
